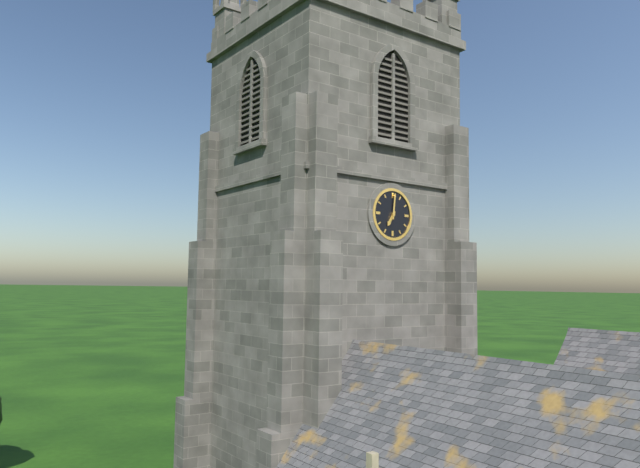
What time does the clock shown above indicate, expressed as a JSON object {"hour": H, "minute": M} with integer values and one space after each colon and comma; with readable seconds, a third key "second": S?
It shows {"hour": 7, "minute": 1}
